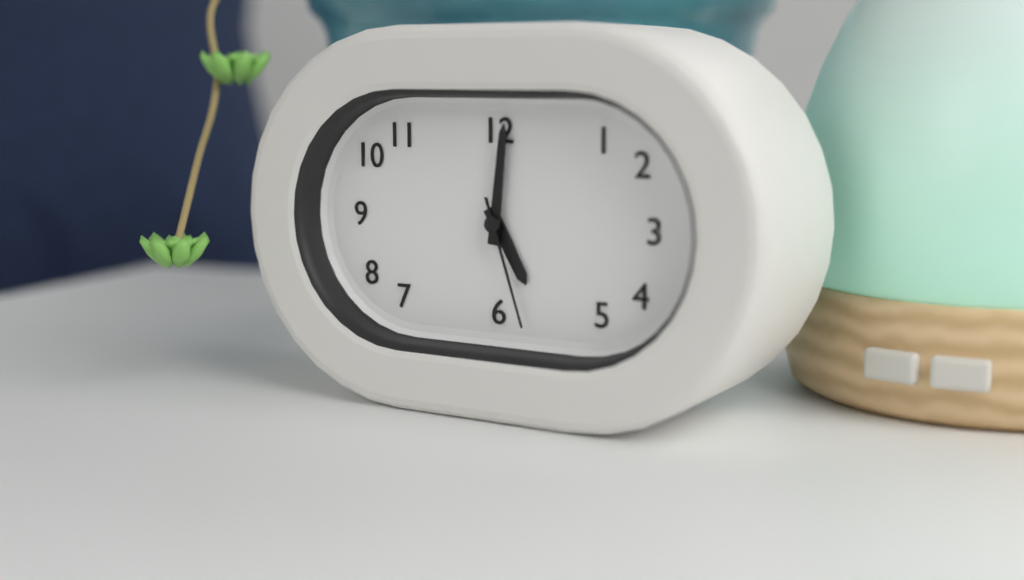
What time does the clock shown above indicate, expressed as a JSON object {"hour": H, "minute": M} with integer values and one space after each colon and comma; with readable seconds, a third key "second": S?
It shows {"hour": 5, "minute": 1, "second": 27}
